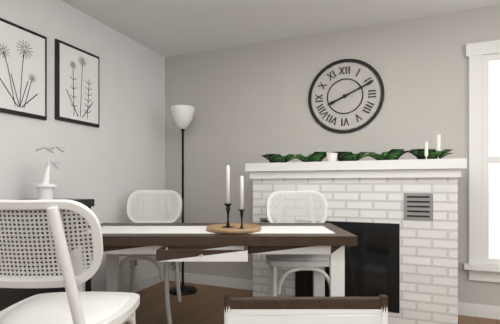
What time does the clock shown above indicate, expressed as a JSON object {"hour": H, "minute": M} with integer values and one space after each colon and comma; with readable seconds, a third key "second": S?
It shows {"hour": 8, "minute": 11}
